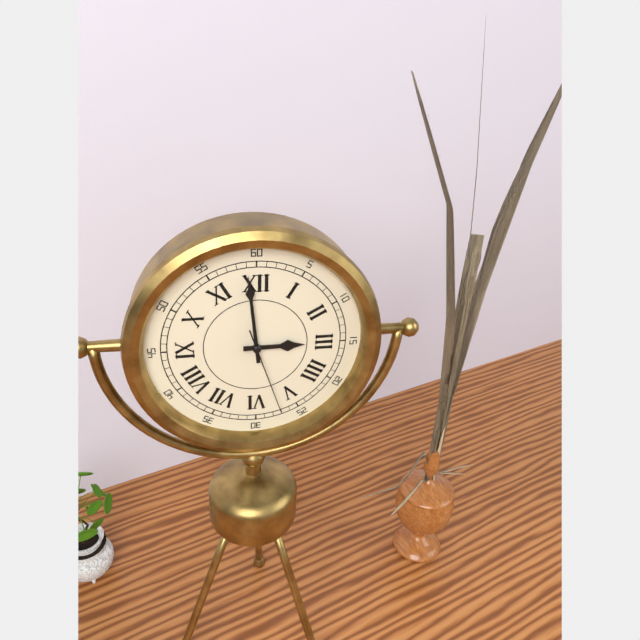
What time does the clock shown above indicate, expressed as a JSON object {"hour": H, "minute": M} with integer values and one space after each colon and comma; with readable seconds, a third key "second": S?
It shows {"hour": 2, "minute": 59, "second": 27}
